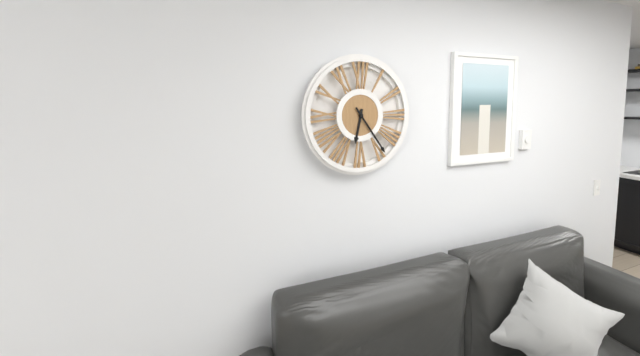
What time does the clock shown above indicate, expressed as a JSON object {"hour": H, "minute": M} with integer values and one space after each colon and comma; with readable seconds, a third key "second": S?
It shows {"hour": 6, "minute": 24}
